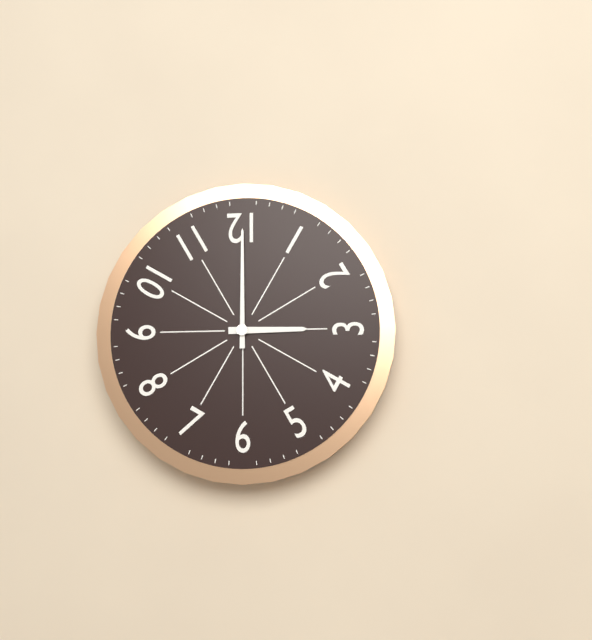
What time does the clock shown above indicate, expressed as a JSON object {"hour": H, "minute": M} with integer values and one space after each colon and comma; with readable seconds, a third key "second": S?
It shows {"hour": 3, "minute": 0}
